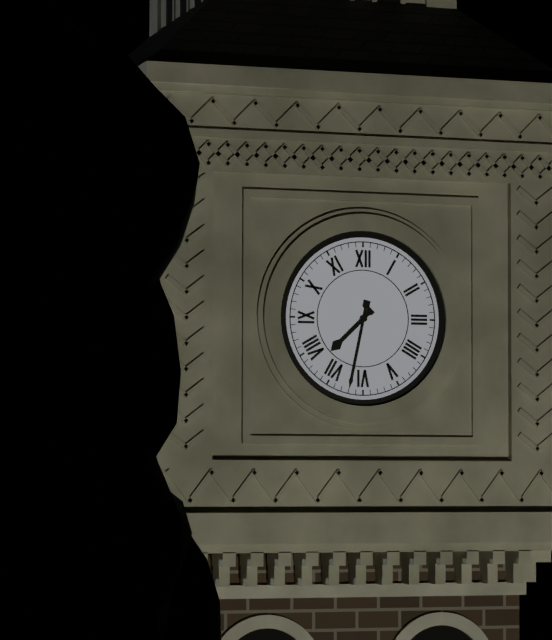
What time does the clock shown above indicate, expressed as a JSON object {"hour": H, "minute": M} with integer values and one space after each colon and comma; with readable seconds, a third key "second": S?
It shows {"hour": 7, "minute": 32}
